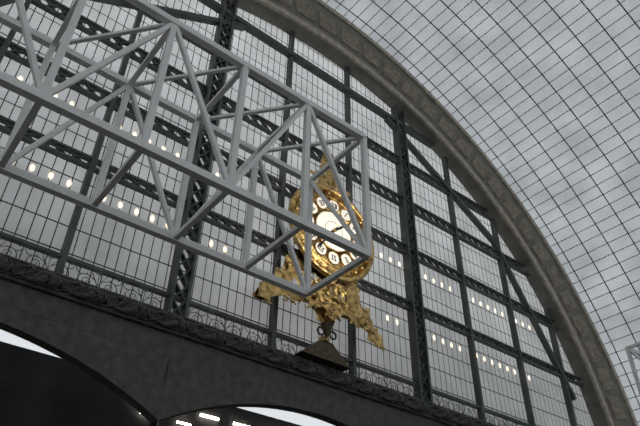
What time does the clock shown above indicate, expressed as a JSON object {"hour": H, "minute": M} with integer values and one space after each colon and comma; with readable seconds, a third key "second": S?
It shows {"hour": 1, "minute": 36}
